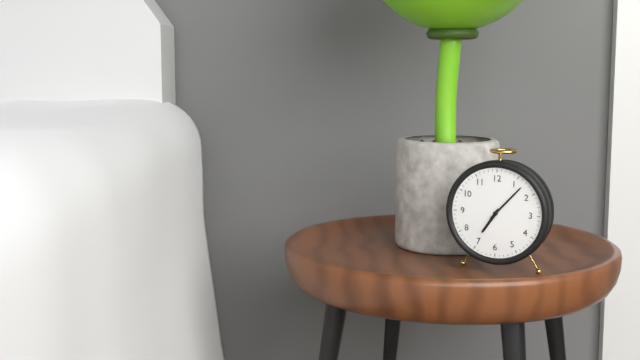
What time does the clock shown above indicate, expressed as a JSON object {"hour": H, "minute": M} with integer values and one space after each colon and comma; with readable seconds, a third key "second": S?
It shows {"hour": 7, "minute": 7}
